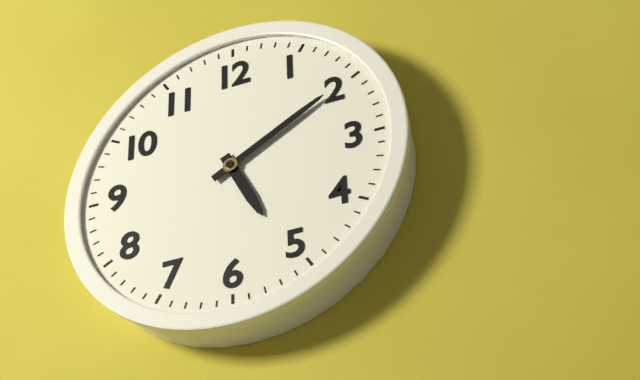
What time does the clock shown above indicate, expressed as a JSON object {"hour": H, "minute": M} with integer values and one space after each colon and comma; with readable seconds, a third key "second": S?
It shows {"hour": 5, "minute": 10}
